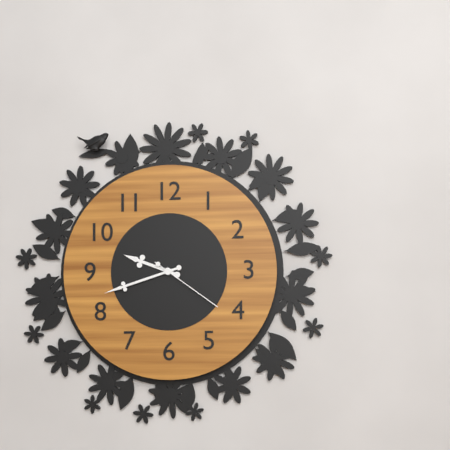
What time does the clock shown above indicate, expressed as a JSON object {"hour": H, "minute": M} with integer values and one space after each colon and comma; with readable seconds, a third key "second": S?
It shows {"hour": 9, "minute": 42, "second": 21}
